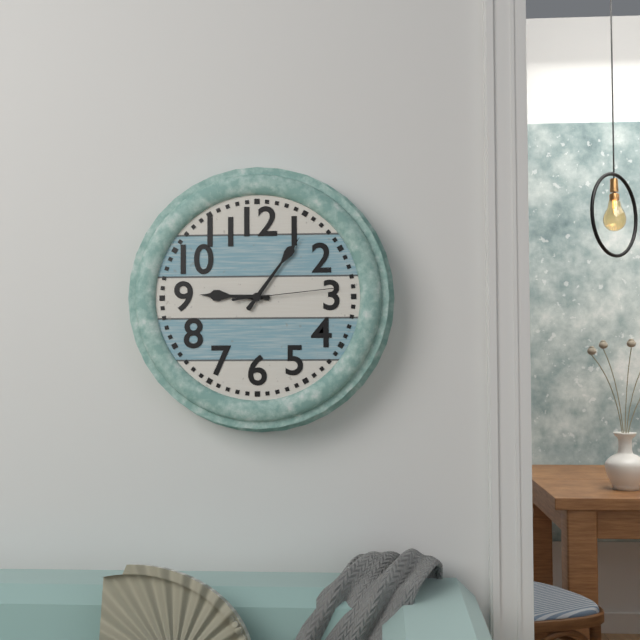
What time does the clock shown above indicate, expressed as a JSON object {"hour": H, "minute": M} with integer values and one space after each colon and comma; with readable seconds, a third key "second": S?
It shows {"hour": 9, "minute": 6, "second": 14}
